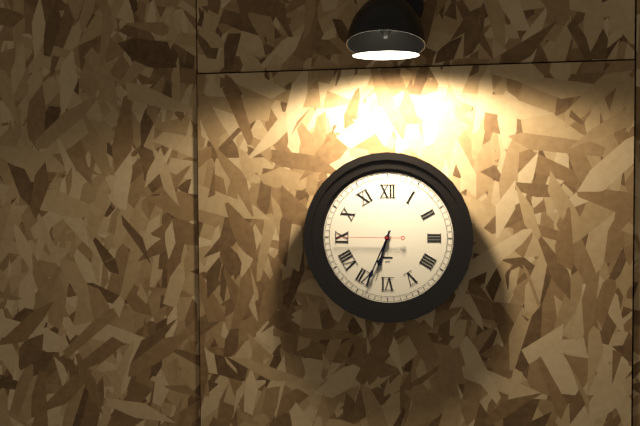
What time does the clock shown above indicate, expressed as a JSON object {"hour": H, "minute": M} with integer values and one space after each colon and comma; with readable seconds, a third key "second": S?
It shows {"hour": 6, "minute": 34, "second": 45}
